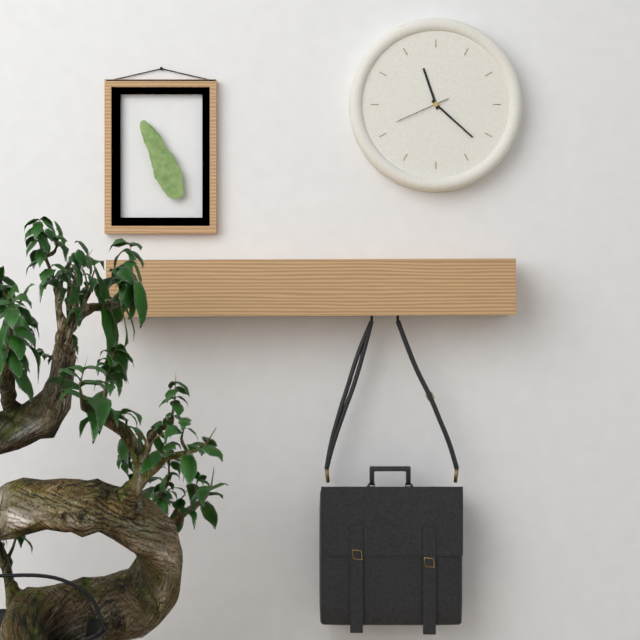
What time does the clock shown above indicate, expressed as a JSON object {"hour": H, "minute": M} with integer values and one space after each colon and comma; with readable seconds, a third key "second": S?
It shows {"hour": 11, "minute": 22, "second": 41}
